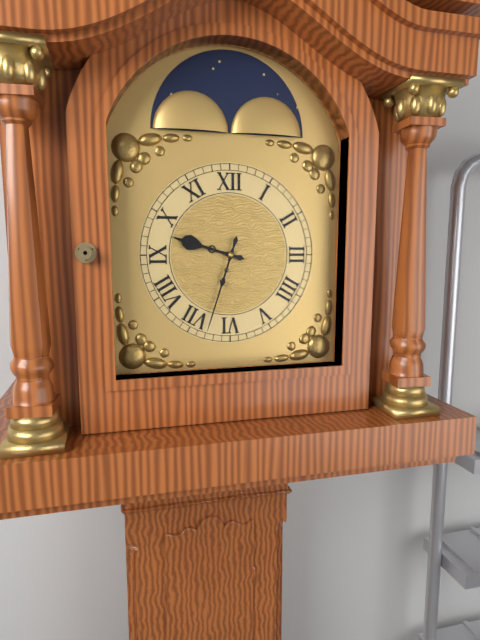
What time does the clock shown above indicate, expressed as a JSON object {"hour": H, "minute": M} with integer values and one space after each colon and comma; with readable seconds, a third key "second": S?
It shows {"hour": 9, "minute": 33}
